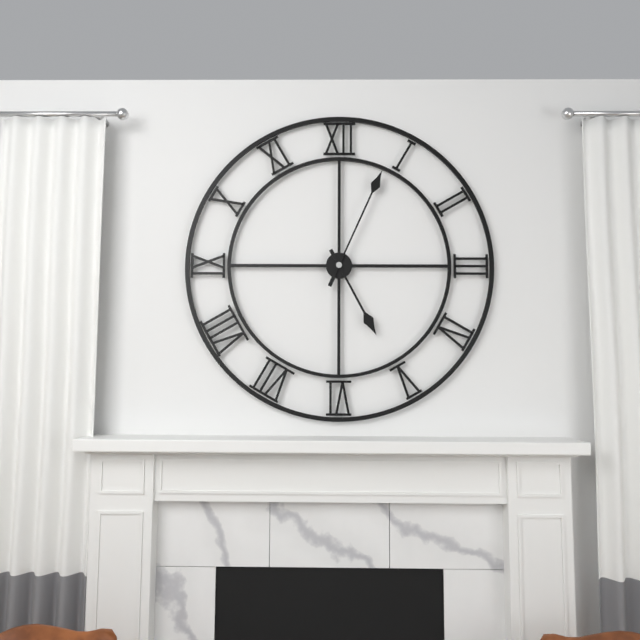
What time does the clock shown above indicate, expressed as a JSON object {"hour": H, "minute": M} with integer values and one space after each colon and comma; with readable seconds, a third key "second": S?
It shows {"hour": 5, "minute": 4}
